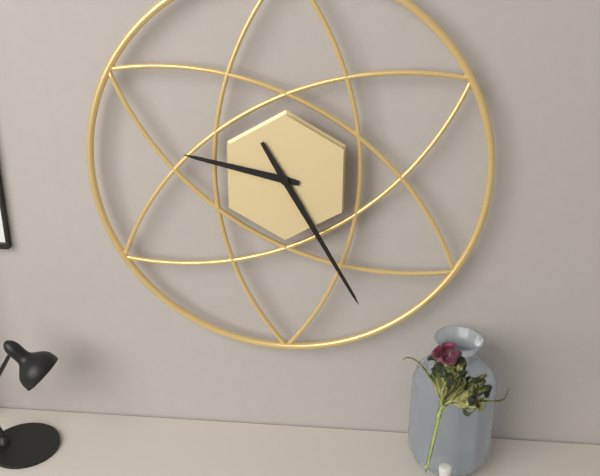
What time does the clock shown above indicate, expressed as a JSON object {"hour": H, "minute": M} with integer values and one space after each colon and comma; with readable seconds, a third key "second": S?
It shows {"hour": 9, "minute": 25}
